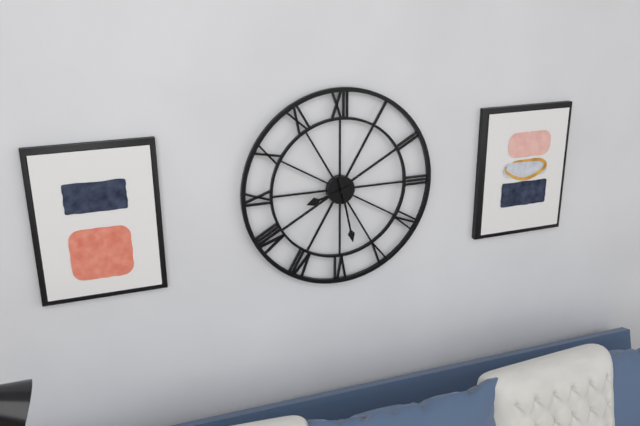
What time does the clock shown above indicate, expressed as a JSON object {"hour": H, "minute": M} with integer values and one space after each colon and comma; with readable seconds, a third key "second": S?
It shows {"hour": 8, "minute": 28}
